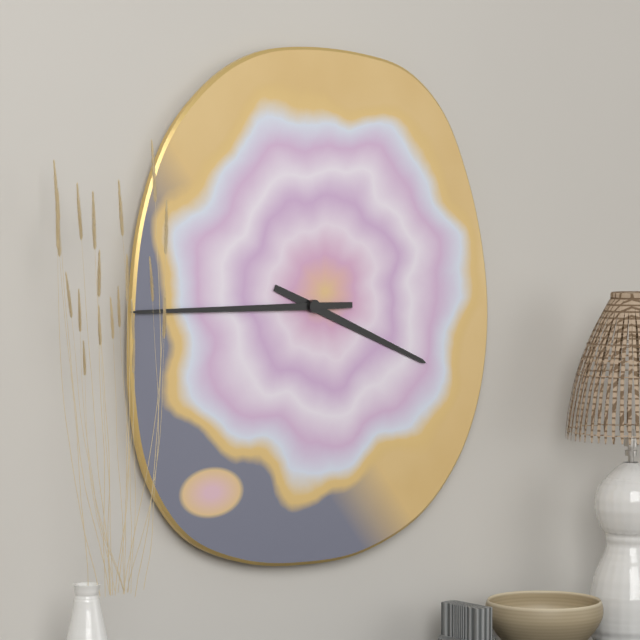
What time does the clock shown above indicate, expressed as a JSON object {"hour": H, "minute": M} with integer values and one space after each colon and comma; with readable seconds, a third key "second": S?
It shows {"hour": 3, "minute": 45}
